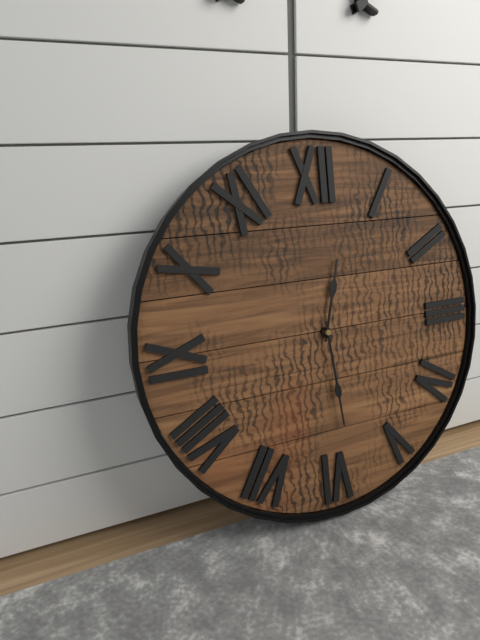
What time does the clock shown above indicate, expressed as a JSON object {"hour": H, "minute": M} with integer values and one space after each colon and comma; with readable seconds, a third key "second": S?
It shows {"hour": 12, "minute": 29}
